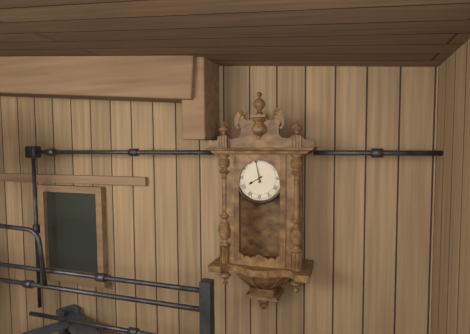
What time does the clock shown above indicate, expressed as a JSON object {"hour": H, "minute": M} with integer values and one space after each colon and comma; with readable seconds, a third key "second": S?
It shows {"hour": 7, "minute": 58}
